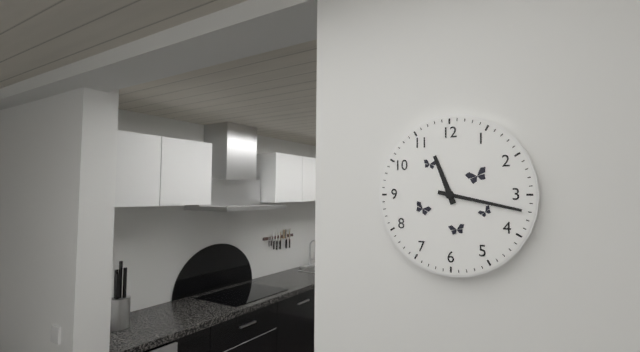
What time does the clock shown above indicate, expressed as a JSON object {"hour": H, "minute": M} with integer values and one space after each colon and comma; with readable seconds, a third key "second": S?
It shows {"hour": 11, "minute": 17}
